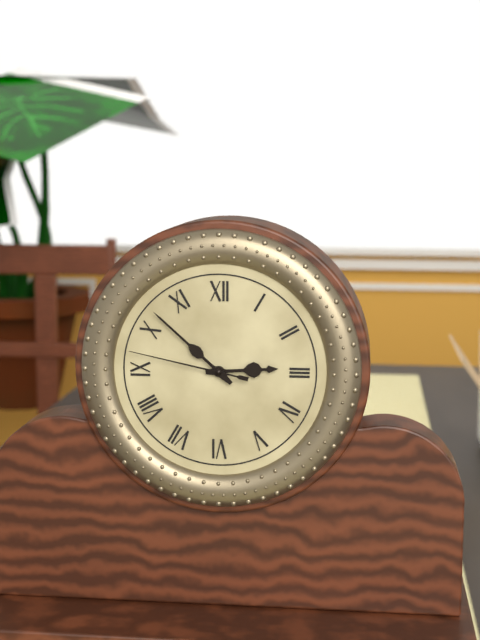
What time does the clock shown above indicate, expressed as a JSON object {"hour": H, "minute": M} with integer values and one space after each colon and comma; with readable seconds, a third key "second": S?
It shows {"hour": 2, "minute": 52, "second": 47}
